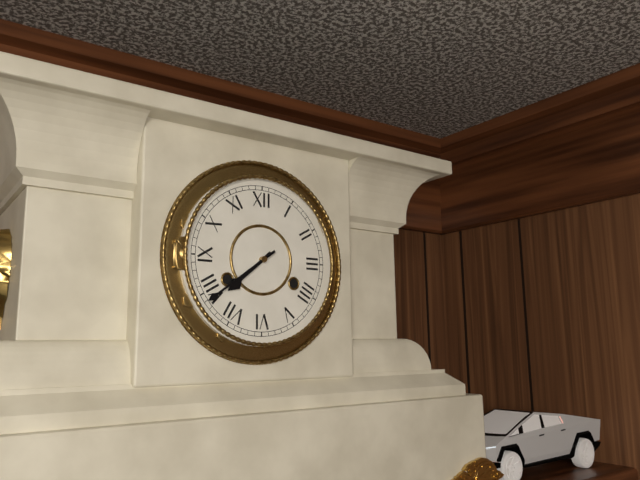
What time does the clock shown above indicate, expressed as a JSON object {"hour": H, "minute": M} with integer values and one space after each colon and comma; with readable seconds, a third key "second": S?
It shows {"hour": 7, "minute": 39}
